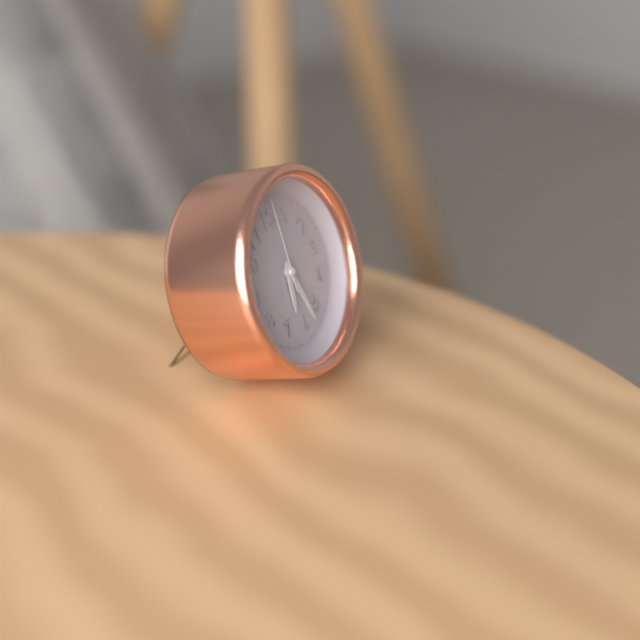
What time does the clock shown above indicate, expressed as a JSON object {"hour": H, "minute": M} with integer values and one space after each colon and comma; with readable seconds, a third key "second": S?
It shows {"hour": 6, "minute": 28, "second": 1}
